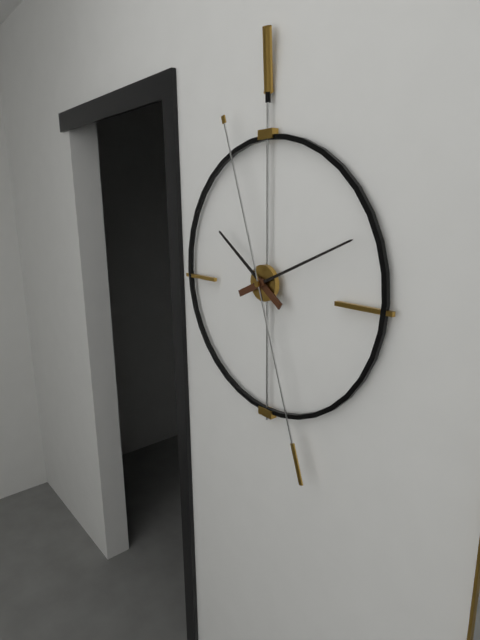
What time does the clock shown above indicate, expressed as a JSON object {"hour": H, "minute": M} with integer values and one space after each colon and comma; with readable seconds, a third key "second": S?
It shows {"hour": 10, "minute": 11, "second": 27}
